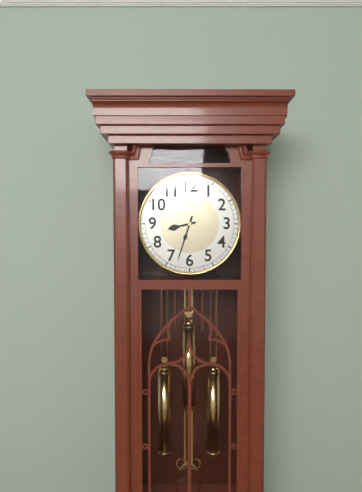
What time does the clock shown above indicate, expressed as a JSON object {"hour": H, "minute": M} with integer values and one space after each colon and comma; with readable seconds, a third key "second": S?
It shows {"hour": 8, "minute": 33}
